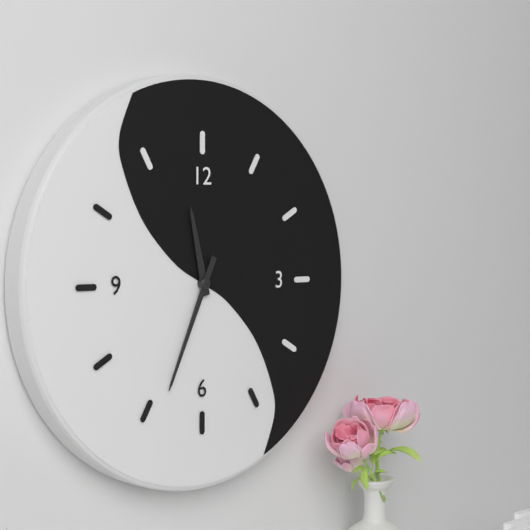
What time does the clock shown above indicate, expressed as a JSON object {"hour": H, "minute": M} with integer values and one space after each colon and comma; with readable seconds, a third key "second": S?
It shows {"hour": 11, "minute": 34}
